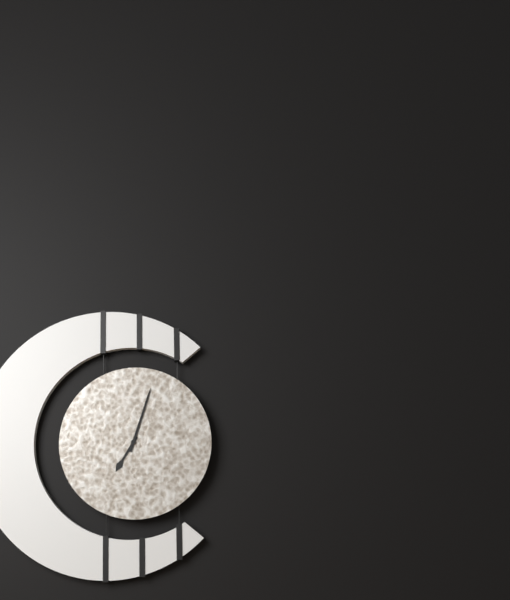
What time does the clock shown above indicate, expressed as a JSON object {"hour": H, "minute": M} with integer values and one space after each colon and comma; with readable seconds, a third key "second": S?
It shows {"hour": 7, "minute": 3}
